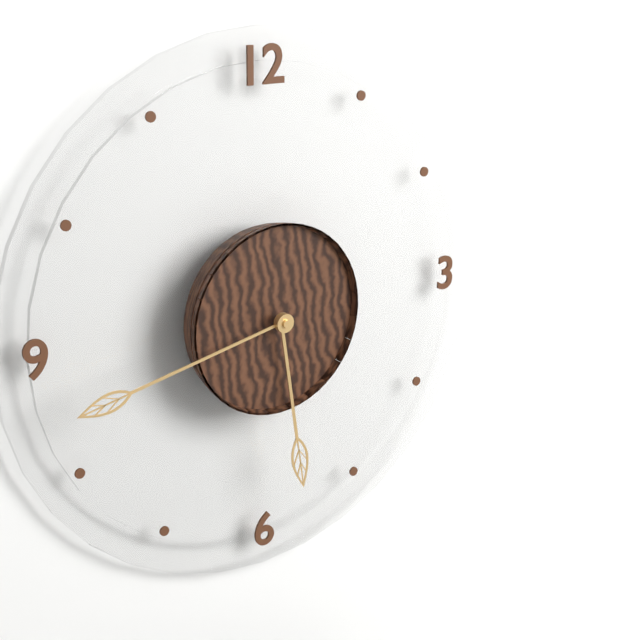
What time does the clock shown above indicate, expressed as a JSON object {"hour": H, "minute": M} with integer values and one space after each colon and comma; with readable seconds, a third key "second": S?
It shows {"hour": 5, "minute": 43}
